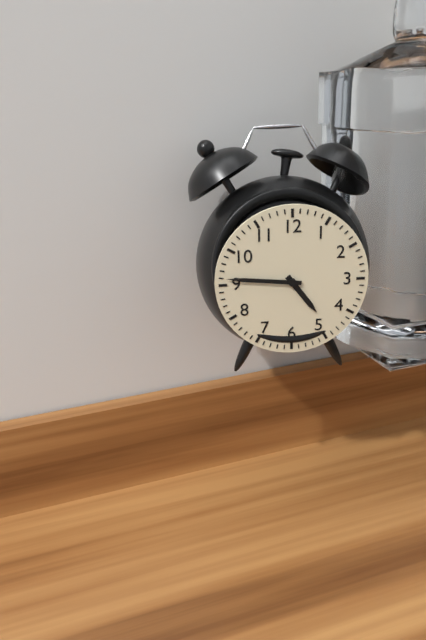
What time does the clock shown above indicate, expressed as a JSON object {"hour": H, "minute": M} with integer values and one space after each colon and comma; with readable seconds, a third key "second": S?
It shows {"hour": 4, "minute": 46}
